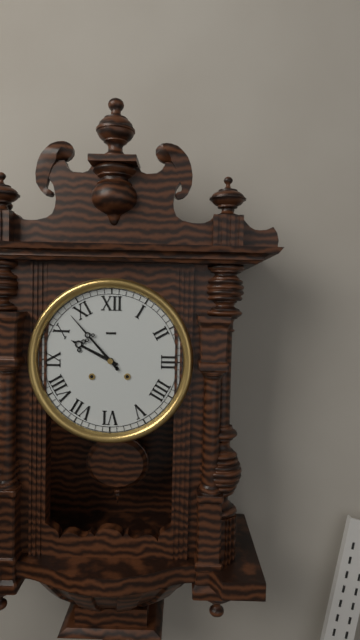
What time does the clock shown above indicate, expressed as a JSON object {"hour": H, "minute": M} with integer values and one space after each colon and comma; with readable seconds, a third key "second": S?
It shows {"hour": 9, "minute": 53}
